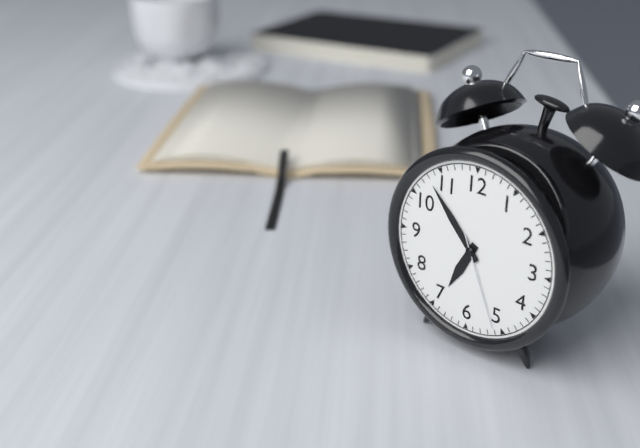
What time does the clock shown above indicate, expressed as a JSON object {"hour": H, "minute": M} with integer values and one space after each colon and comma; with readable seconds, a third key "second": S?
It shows {"hour": 6, "minute": 53, "second": 26}
